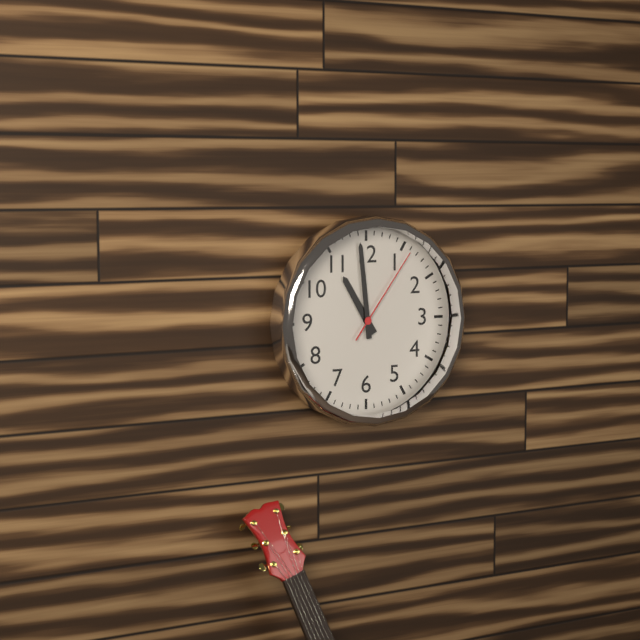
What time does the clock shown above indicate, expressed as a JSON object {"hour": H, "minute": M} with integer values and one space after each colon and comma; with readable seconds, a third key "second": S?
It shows {"hour": 10, "minute": 59, "second": 6}
